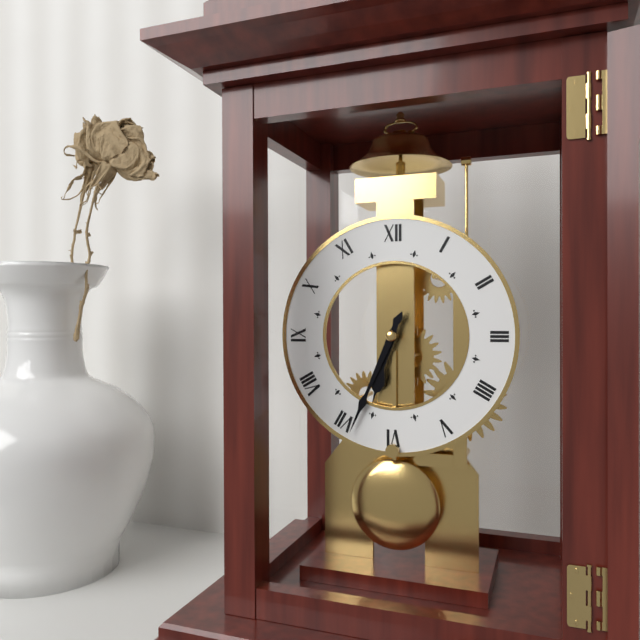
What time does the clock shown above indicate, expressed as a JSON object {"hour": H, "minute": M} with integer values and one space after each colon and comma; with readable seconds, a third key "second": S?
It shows {"hour": 6, "minute": 34}
